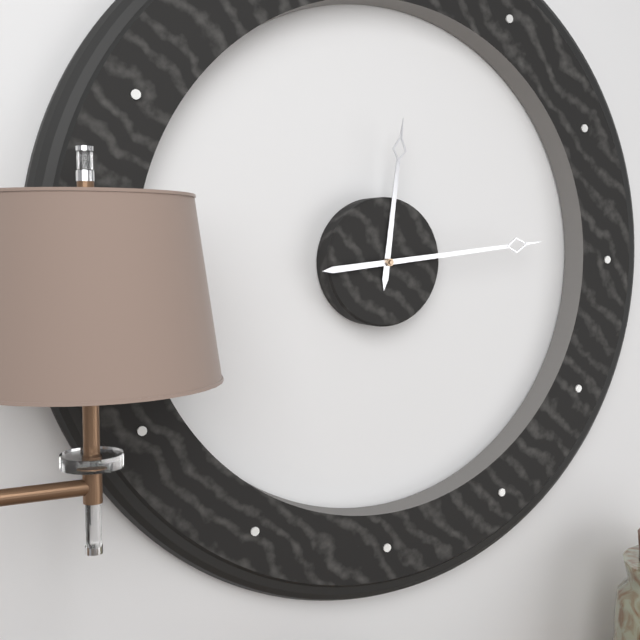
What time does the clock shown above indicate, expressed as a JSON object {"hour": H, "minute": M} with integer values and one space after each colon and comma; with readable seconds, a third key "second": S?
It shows {"hour": 12, "minute": 14}
